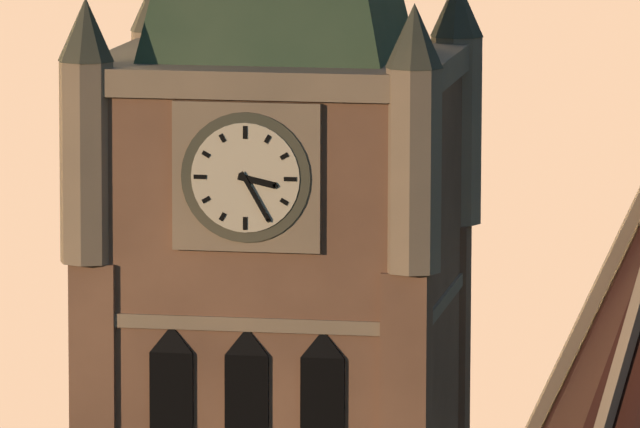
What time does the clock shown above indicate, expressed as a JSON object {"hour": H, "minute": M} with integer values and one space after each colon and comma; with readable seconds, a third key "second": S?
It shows {"hour": 3, "minute": 25}
